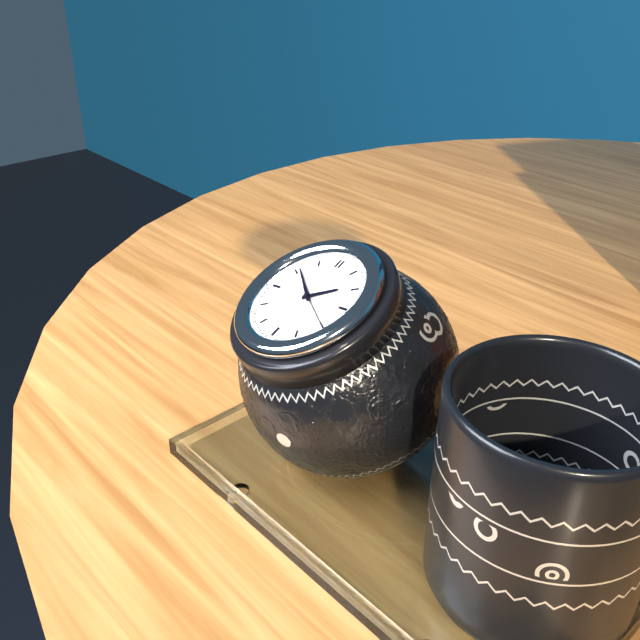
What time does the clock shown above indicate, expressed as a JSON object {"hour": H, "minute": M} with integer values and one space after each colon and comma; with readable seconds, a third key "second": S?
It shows {"hour": 1, "minute": 51}
